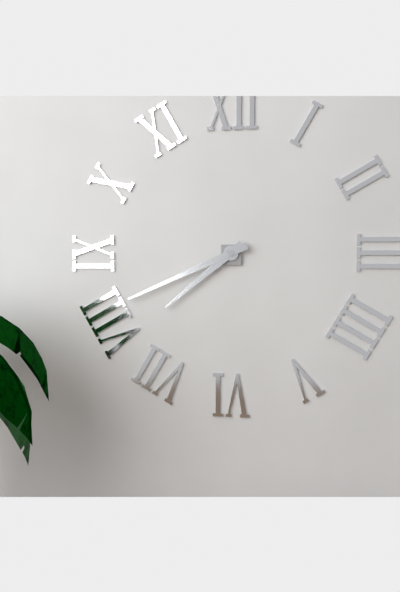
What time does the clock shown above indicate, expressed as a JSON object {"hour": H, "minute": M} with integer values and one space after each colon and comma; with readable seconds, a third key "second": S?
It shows {"hour": 7, "minute": 41}
